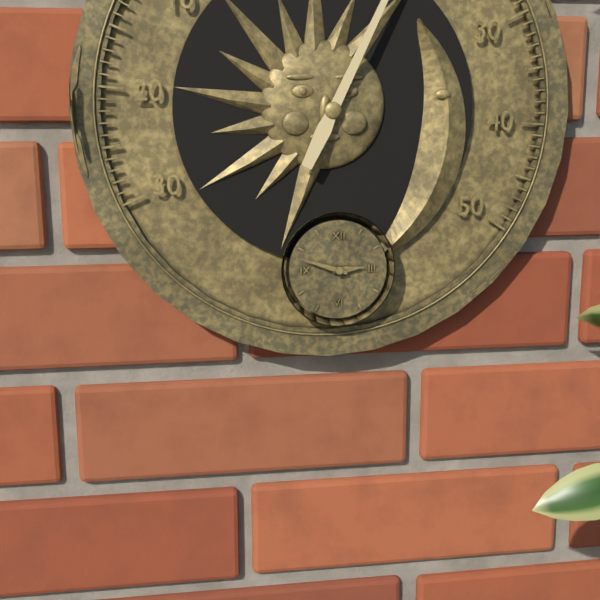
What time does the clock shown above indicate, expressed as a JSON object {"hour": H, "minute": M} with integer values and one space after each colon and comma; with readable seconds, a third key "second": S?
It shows {"hour": 2, "minute": 48}
